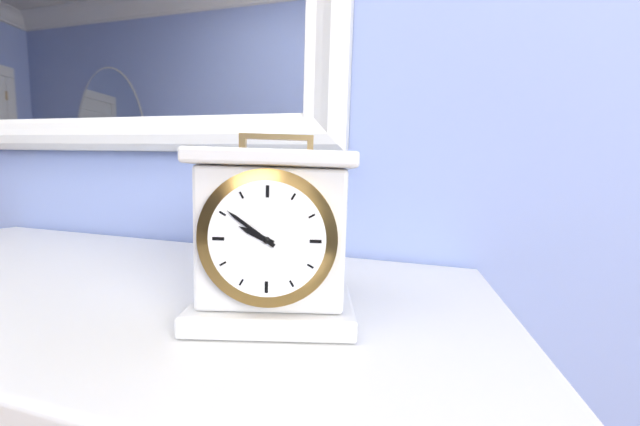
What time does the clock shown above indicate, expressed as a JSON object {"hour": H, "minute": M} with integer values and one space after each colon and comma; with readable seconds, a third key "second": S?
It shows {"hour": 9, "minute": 51}
